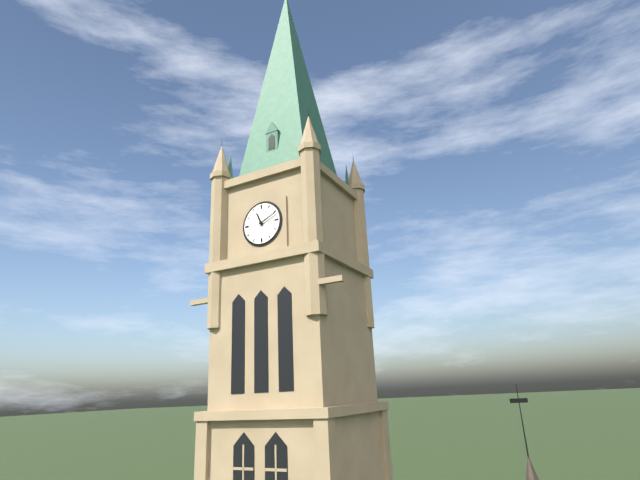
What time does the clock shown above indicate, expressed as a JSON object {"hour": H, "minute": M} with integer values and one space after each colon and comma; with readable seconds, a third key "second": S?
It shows {"hour": 11, "minute": 11}
